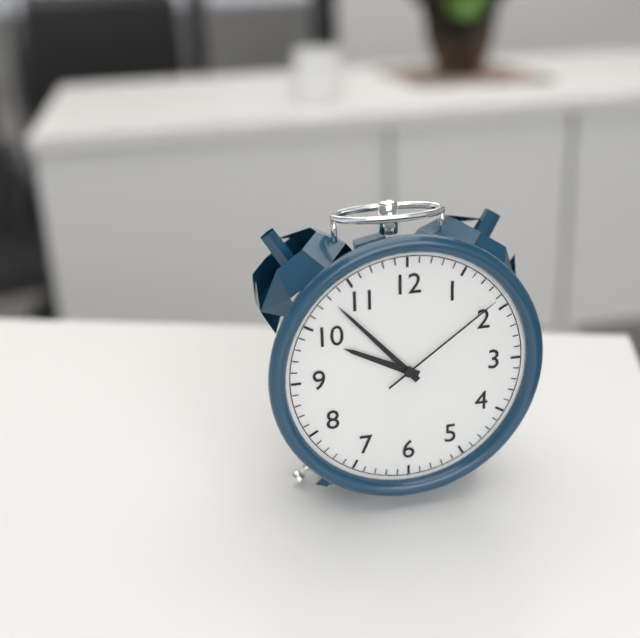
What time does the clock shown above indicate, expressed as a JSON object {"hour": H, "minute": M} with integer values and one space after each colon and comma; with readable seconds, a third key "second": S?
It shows {"hour": 9, "minute": 53, "second": 9}
